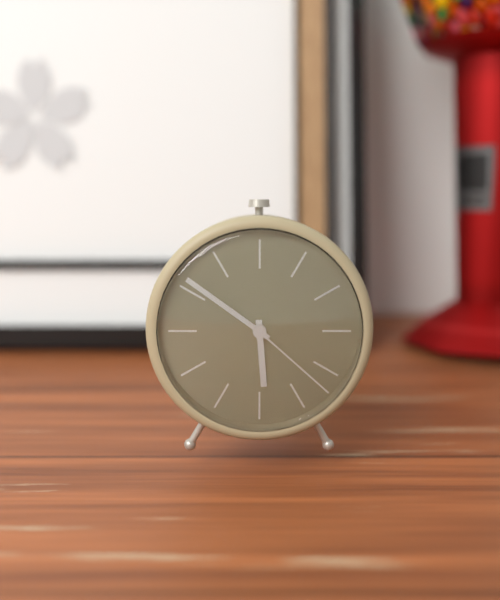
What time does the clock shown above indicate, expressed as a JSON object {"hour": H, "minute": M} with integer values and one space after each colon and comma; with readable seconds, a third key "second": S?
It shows {"hour": 5, "minute": 51, "second": 22}
